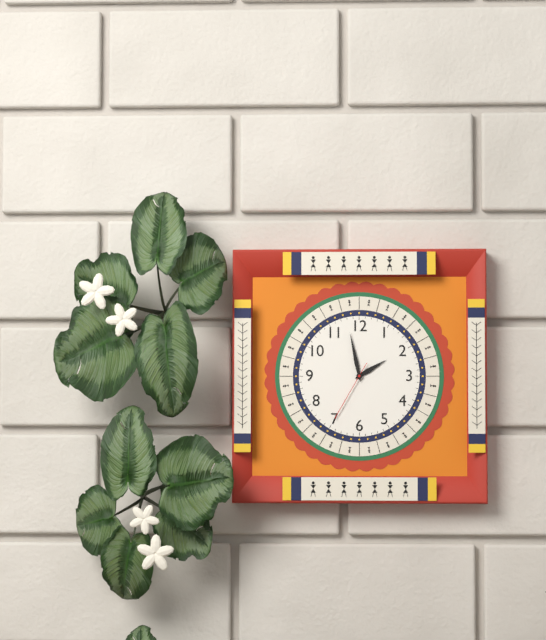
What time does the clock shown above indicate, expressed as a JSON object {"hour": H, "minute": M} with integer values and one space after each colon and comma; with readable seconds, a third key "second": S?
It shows {"hour": 1, "minute": 58, "second": 35}
